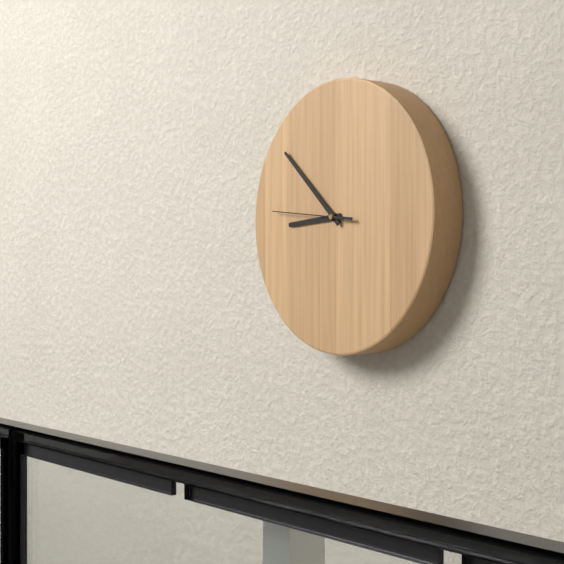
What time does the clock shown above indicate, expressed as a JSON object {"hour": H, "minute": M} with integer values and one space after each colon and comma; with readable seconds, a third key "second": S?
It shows {"hour": 8, "minute": 52, "second": 46}
